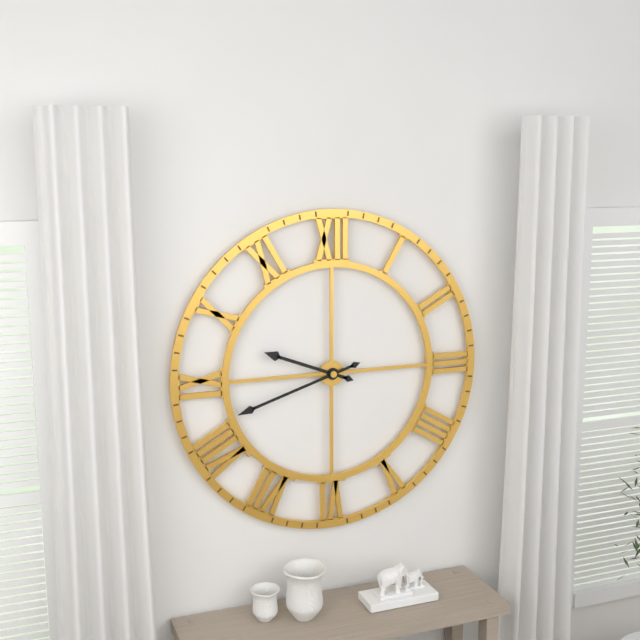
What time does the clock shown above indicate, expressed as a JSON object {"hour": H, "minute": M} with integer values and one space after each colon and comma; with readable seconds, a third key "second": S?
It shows {"hour": 9, "minute": 42}
